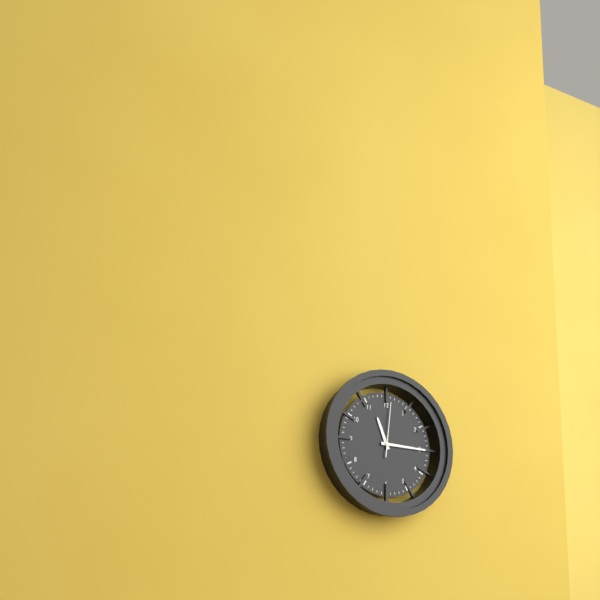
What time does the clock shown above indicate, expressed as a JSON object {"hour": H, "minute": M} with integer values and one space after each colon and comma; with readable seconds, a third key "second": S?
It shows {"hour": 11, "minute": 15, "second": 1}
